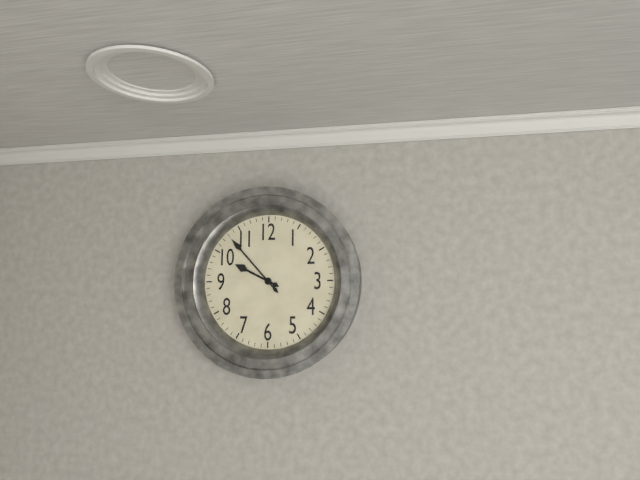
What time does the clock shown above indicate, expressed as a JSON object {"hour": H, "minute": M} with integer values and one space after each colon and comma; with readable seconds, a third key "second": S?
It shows {"hour": 9, "minute": 53}
